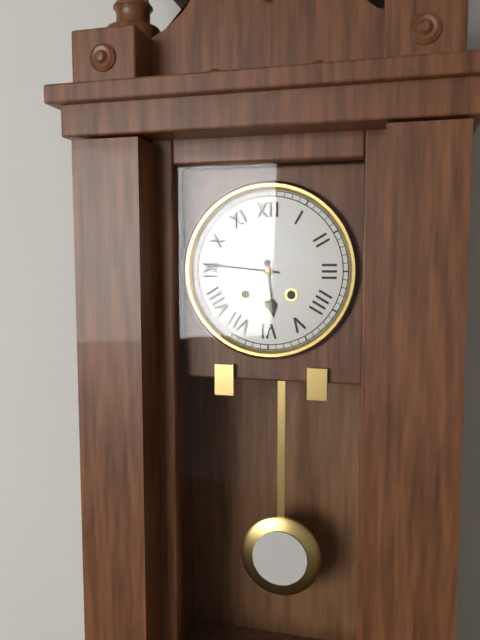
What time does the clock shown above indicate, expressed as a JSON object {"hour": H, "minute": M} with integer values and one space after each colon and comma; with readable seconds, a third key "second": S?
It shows {"hour": 5, "minute": 46}
